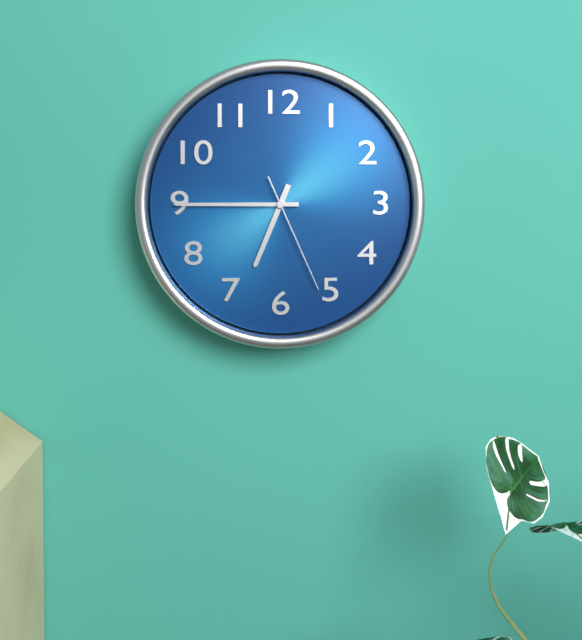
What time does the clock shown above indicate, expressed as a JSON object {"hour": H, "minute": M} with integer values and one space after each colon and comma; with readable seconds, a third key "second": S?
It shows {"hour": 6, "minute": 45, "second": 26}
